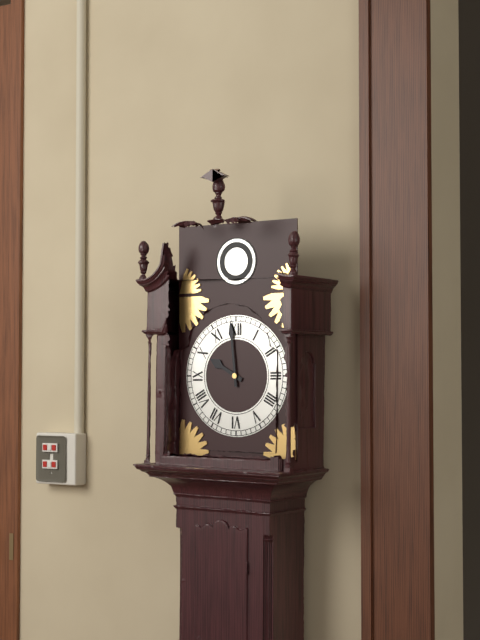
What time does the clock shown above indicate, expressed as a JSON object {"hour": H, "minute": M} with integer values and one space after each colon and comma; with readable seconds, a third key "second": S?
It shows {"hour": 9, "minute": 59}
